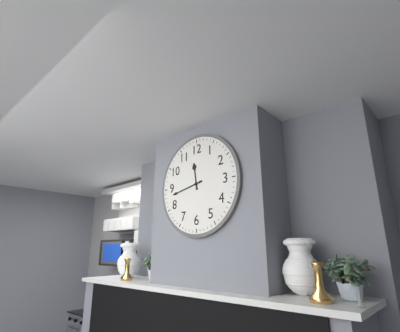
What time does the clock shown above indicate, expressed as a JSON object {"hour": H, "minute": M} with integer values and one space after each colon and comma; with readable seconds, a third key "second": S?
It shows {"hour": 11, "minute": 43}
